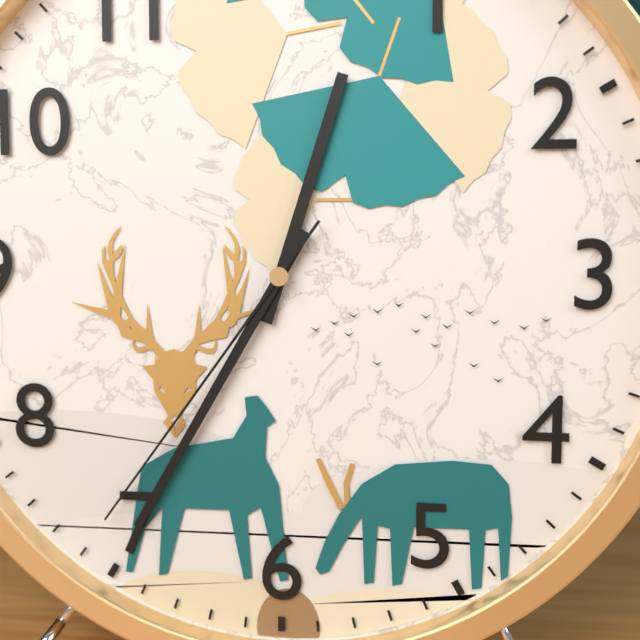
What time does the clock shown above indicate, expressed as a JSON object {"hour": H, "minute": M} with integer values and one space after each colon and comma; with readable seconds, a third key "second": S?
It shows {"hour": 12, "minute": 35, "second": 36}
